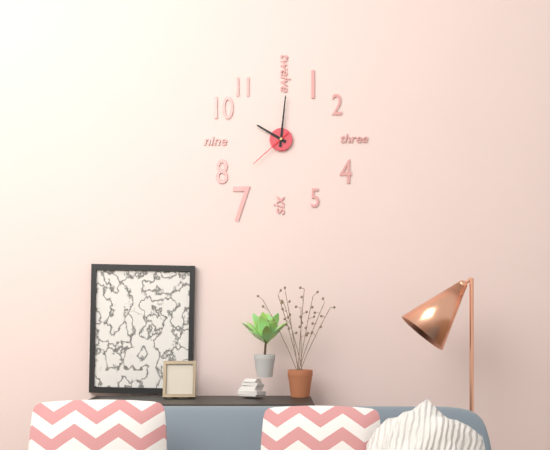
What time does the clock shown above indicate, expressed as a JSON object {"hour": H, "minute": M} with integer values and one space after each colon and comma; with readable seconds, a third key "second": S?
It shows {"hour": 10, "minute": 1}
